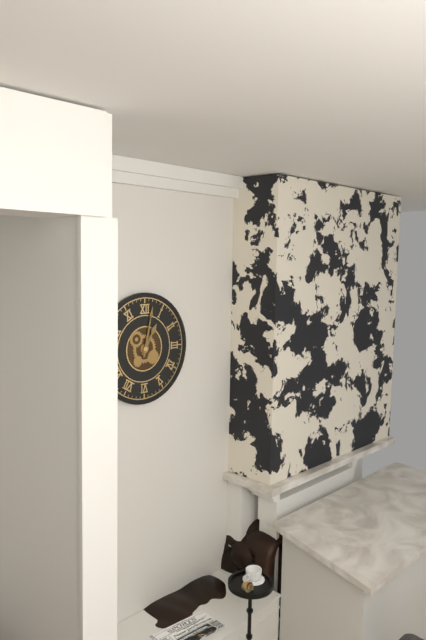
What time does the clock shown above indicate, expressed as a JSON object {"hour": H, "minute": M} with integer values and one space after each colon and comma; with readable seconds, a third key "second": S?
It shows {"hour": 1, "minute": 2}
